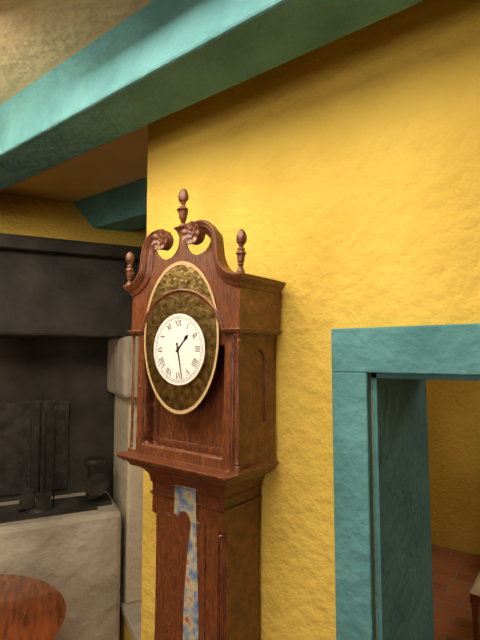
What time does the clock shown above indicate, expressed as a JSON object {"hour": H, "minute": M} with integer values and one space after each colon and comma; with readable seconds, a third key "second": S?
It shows {"hour": 1, "minute": 28}
